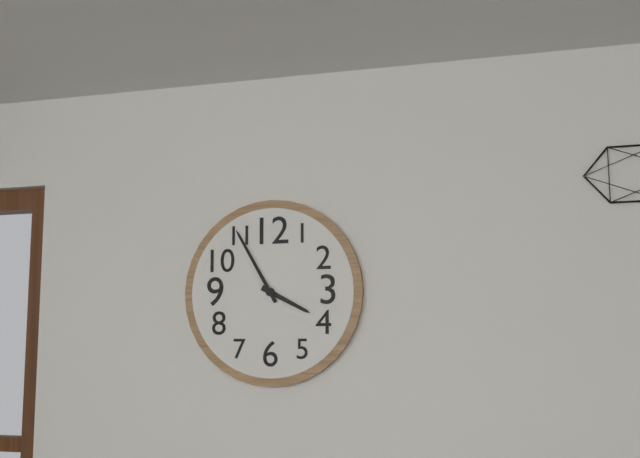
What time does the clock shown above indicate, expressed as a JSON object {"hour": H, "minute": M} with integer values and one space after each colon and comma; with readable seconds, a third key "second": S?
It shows {"hour": 3, "minute": 55}
